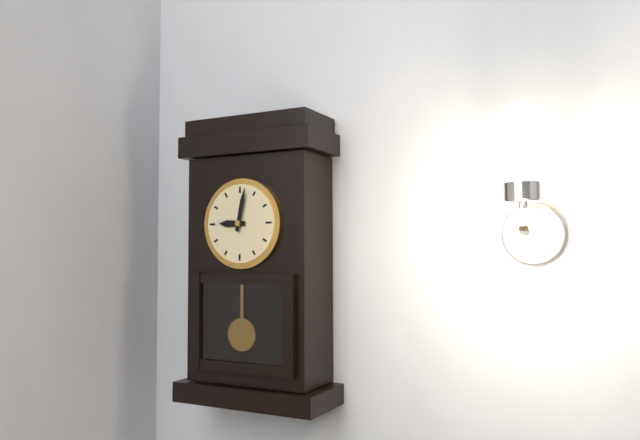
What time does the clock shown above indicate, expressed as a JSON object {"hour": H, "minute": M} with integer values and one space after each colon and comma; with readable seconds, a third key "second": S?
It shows {"hour": 9, "minute": 2}
